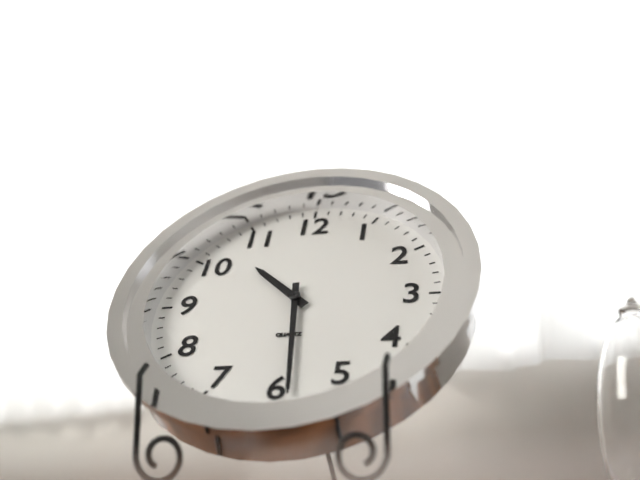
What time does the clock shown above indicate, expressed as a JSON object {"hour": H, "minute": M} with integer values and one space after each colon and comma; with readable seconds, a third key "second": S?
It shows {"hour": 10, "minute": 29}
